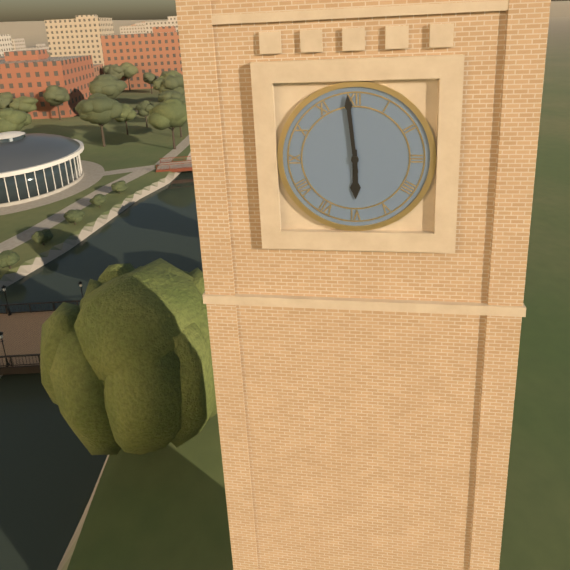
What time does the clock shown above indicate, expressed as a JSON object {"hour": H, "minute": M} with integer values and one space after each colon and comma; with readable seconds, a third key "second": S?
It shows {"hour": 5, "minute": 59}
